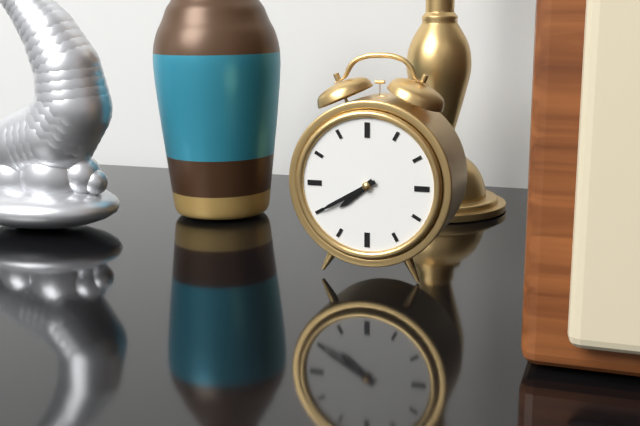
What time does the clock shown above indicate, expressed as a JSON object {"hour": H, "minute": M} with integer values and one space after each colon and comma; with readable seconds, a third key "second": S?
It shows {"hour": 7, "minute": 40}
